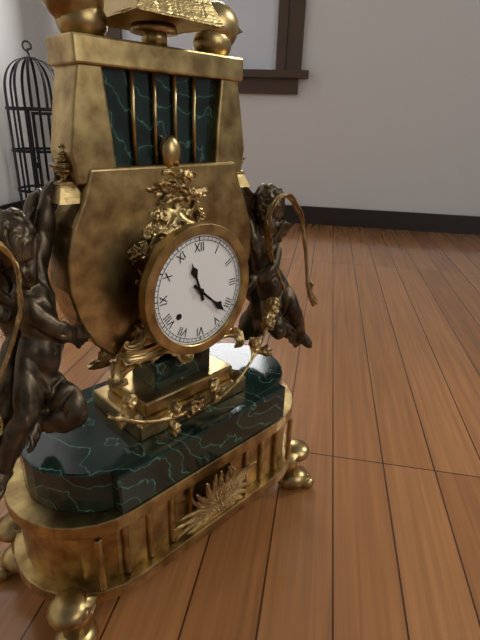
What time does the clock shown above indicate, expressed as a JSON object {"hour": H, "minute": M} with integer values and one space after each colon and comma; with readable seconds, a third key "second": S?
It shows {"hour": 11, "minute": 22}
